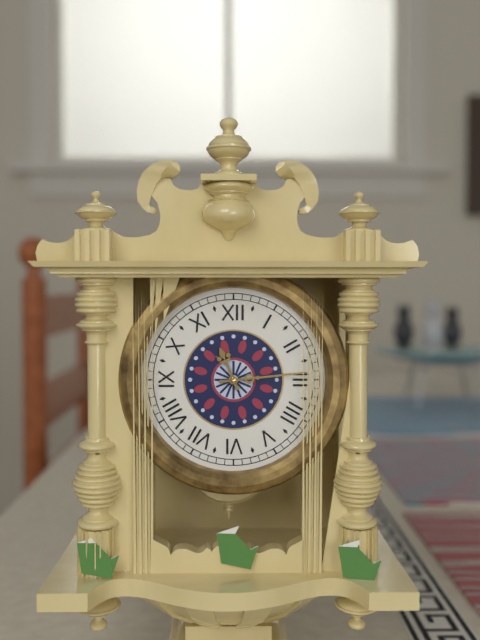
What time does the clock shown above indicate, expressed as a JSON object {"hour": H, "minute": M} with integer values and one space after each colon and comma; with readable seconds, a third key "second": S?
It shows {"hour": 11, "minute": 14}
